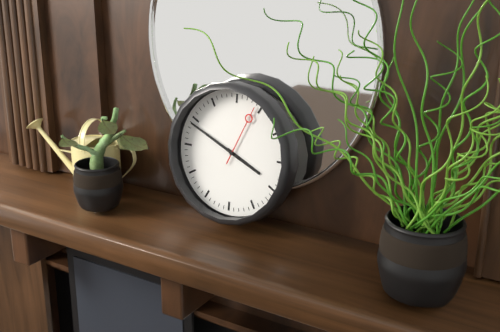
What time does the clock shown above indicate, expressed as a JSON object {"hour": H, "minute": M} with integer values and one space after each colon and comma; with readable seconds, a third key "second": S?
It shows {"hour": 3, "minute": 49, "second": 4}
